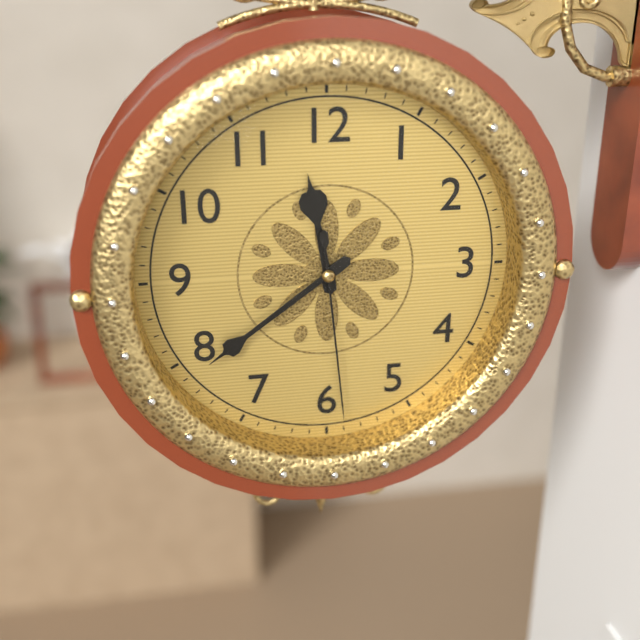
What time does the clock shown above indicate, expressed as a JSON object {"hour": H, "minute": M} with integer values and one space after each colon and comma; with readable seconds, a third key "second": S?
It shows {"hour": 11, "minute": 39, "second": 29}
